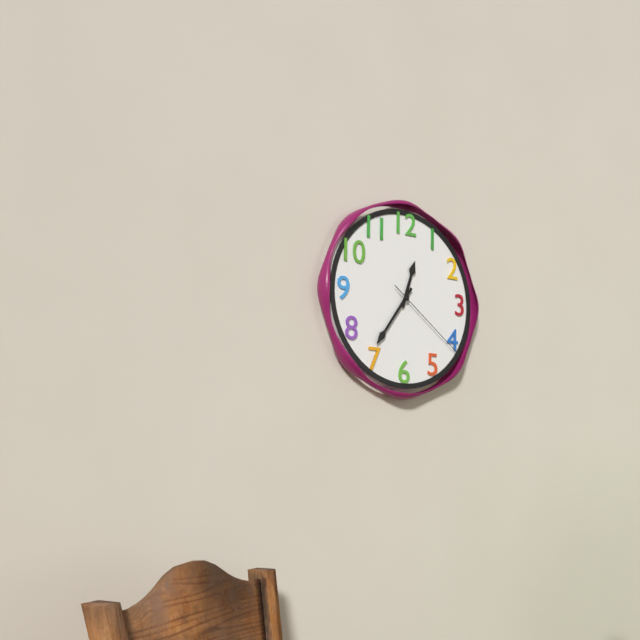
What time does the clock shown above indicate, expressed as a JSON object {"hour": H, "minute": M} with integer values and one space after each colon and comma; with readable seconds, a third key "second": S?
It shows {"hour": 12, "minute": 36, "second": 21}
